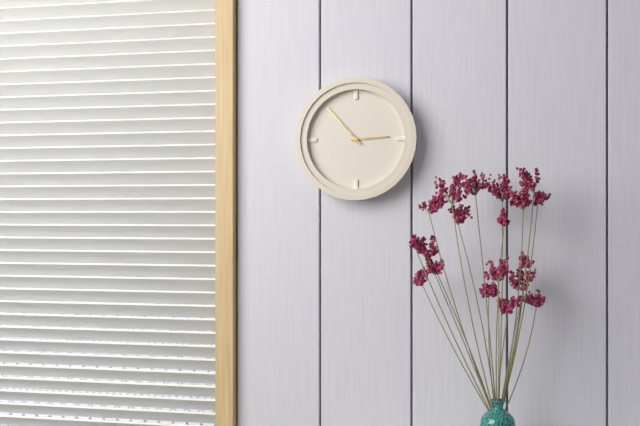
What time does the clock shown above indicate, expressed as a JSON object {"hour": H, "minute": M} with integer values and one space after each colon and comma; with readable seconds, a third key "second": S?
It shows {"hour": 2, "minute": 53}
